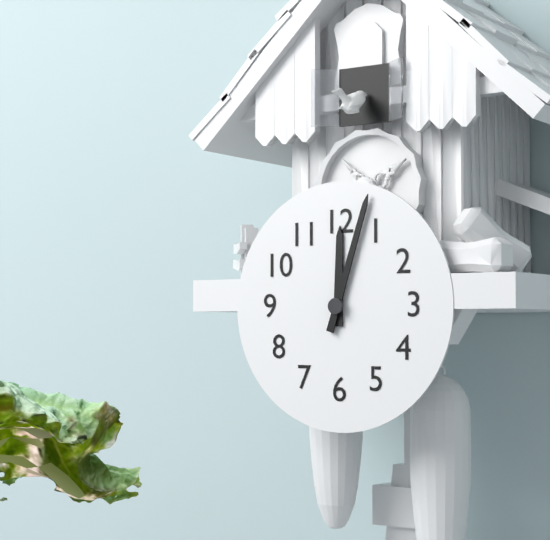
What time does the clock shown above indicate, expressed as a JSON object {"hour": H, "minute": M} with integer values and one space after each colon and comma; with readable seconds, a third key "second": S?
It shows {"hour": 12, "minute": 3}
